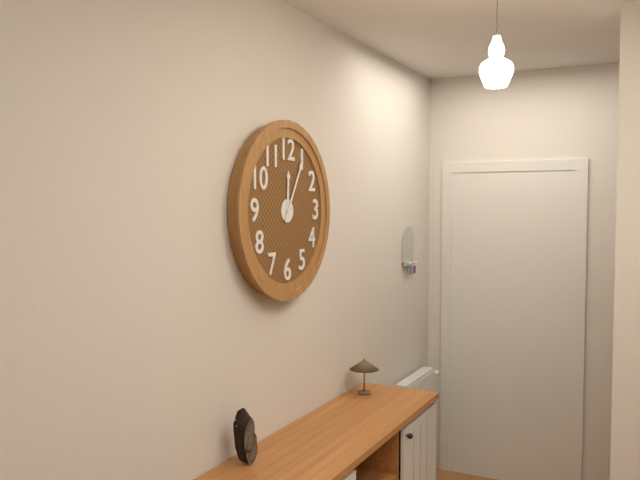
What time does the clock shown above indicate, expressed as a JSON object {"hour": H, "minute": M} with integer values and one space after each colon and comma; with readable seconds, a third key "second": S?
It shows {"hour": 12, "minute": 5}
